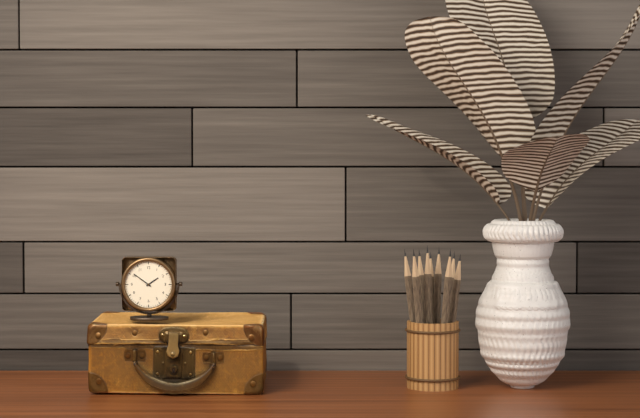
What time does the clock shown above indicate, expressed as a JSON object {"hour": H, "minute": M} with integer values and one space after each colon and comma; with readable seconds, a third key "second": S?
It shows {"hour": 1, "minute": 51}
